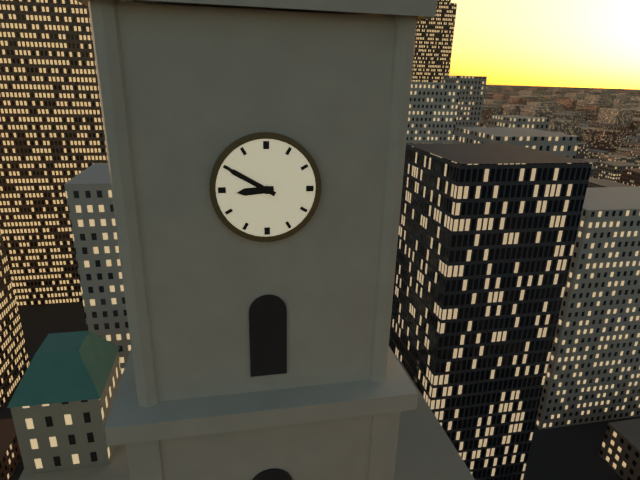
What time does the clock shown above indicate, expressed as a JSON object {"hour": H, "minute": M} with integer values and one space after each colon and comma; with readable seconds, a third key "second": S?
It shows {"hour": 8, "minute": 50}
